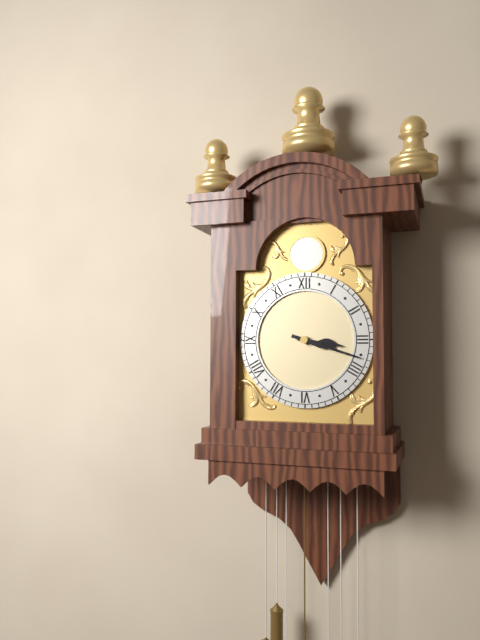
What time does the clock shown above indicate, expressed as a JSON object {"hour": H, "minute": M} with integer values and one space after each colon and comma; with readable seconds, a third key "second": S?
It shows {"hour": 3, "minute": 18}
